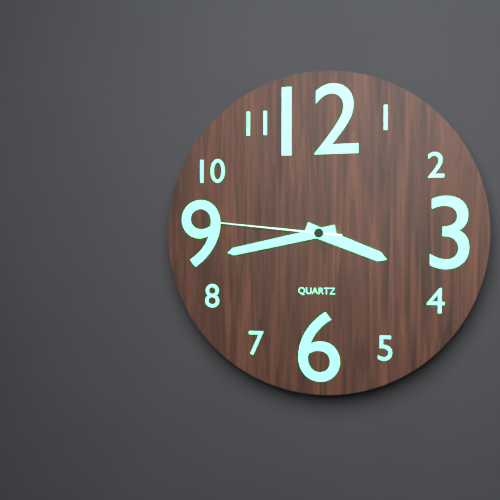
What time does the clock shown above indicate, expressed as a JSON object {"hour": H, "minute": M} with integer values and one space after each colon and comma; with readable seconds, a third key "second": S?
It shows {"hour": 3, "minute": 43, "second": 46}
